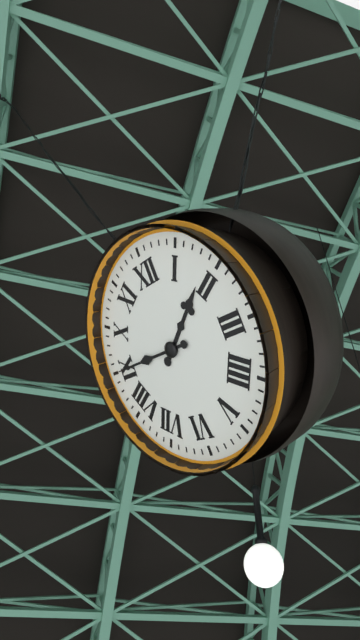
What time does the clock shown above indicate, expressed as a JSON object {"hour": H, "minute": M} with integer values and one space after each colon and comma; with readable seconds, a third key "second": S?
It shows {"hour": 1, "minute": 45}
